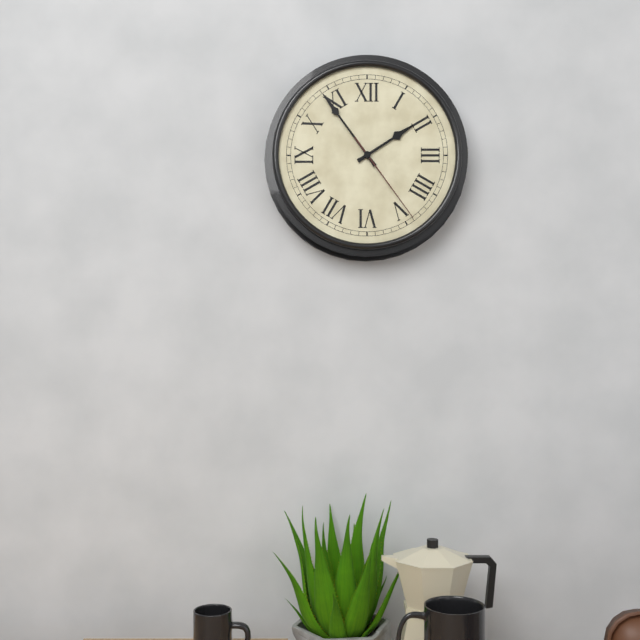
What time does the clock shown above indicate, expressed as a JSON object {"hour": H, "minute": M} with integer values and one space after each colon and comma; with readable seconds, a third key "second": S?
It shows {"hour": 1, "minute": 54, "second": 24}
